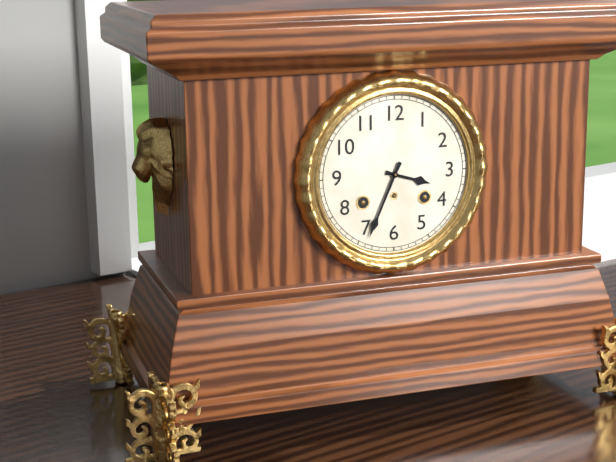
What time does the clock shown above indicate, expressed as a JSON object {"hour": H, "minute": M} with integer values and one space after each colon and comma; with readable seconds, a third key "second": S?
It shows {"hour": 3, "minute": 34}
